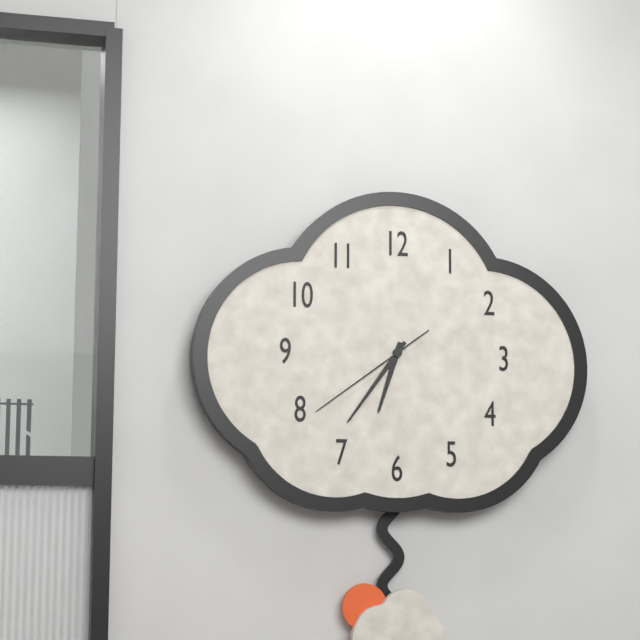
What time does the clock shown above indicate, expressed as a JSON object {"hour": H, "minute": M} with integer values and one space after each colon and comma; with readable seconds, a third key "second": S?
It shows {"hour": 6, "minute": 36, "second": 39}
